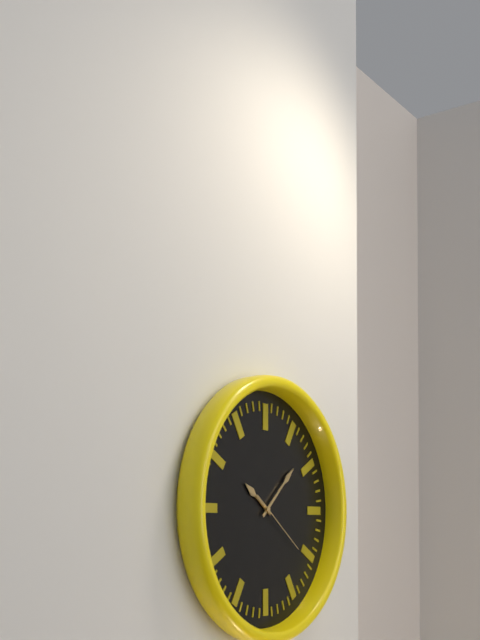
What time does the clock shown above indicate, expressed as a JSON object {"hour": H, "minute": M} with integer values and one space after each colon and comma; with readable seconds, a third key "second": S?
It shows {"hour": 10, "minute": 8, "second": 21}
